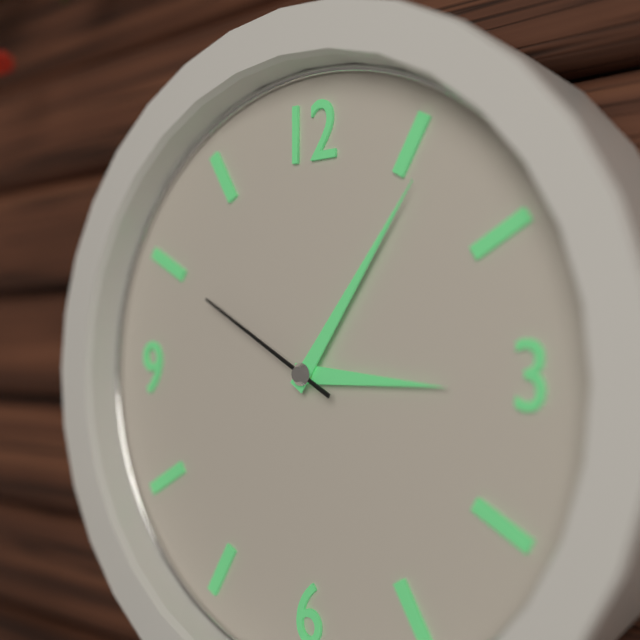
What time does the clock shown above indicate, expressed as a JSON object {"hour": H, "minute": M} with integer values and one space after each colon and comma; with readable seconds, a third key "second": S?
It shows {"hour": 3, "minute": 6, "second": 50}
